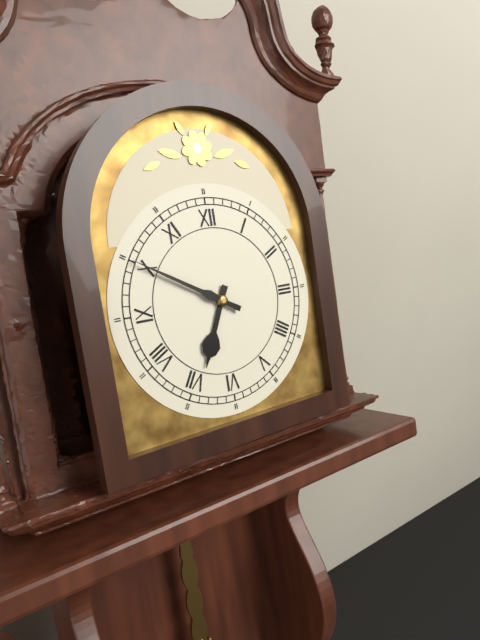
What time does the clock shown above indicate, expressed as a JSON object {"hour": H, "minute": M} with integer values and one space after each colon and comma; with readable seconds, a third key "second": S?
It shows {"hour": 6, "minute": 50}
